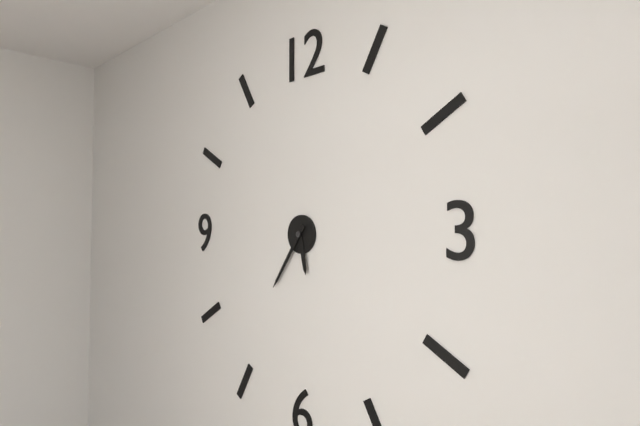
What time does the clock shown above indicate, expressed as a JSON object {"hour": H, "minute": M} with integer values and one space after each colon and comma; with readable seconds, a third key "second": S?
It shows {"hour": 5, "minute": 36}
